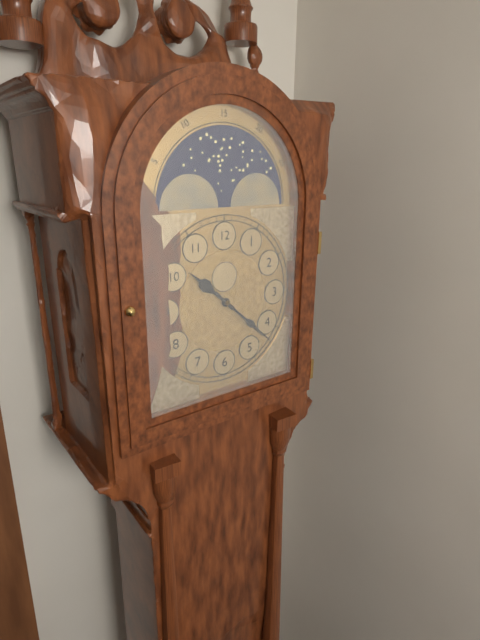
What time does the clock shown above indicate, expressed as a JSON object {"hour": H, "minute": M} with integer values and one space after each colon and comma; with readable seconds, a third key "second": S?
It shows {"hour": 10, "minute": 22}
